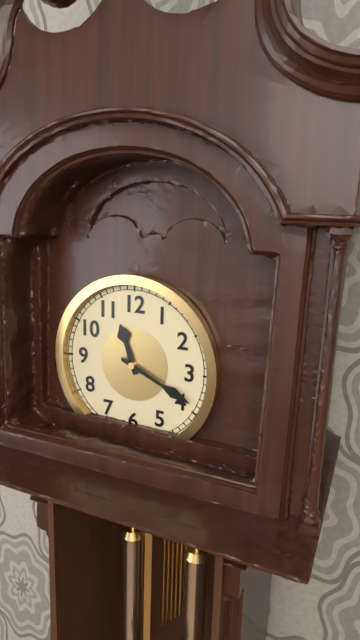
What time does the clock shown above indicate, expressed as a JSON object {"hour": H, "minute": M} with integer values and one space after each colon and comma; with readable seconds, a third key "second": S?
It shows {"hour": 11, "minute": 19}
